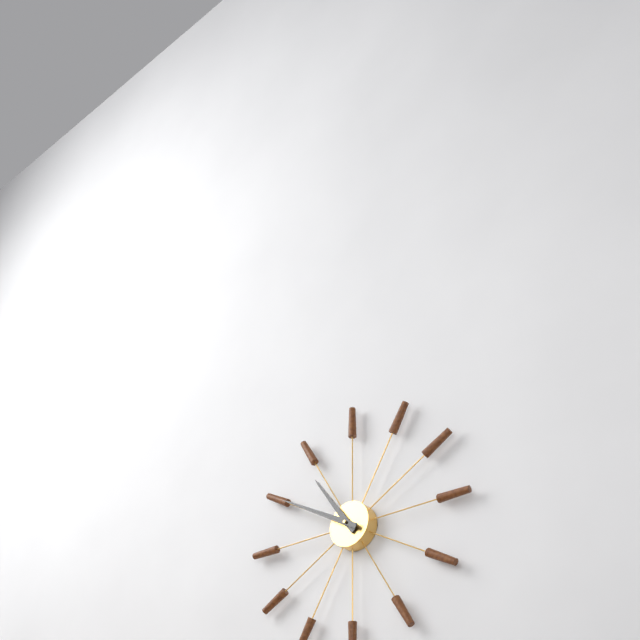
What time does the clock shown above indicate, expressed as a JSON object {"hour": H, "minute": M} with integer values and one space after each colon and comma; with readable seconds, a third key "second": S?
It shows {"hour": 10, "minute": 50}
